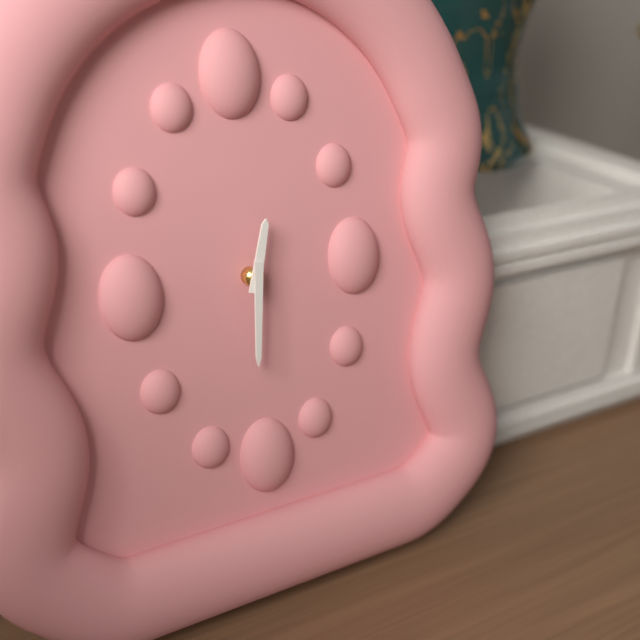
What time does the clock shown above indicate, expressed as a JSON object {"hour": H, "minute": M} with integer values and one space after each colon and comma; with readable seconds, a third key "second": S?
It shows {"hour": 12, "minute": 31}
